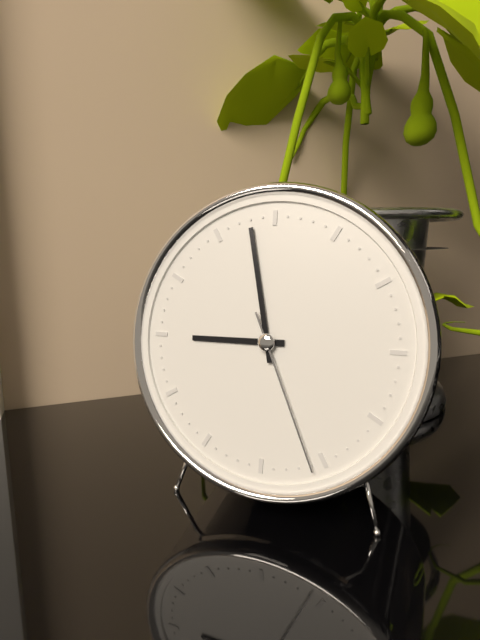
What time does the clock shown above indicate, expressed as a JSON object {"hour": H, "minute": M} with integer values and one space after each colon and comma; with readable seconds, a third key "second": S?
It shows {"hour": 8, "minute": 58, "second": 26}
